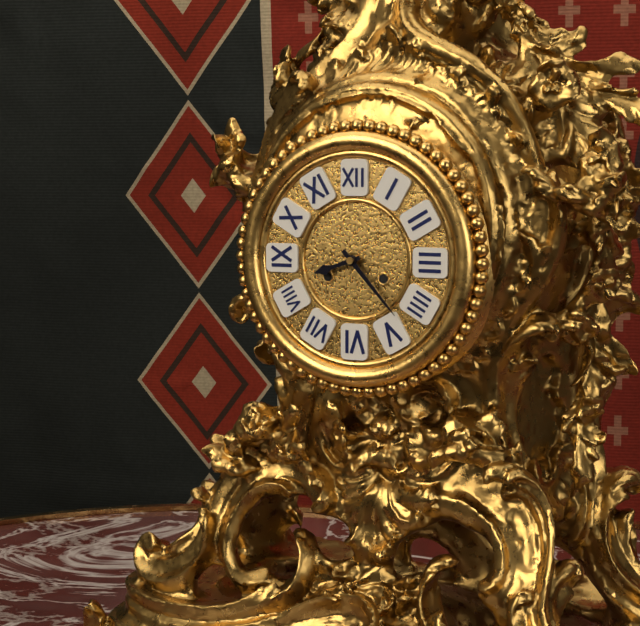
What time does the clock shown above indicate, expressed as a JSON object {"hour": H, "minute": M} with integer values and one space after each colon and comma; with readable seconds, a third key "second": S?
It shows {"hour": 8, "minute": 23}
